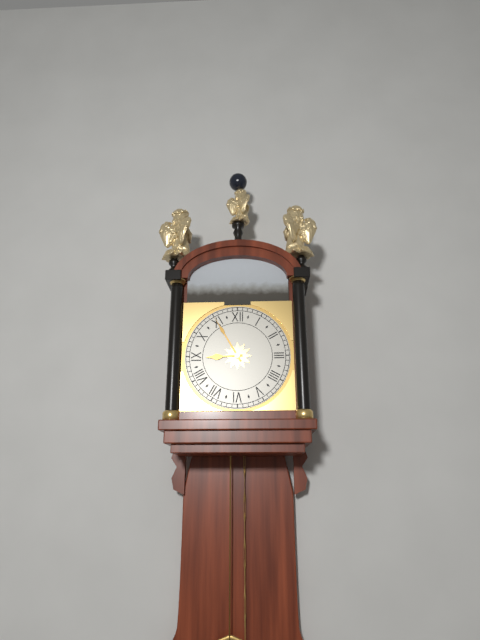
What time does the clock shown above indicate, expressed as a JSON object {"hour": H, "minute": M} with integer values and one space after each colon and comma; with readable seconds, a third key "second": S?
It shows {"hour": 8, "minute": 55}
